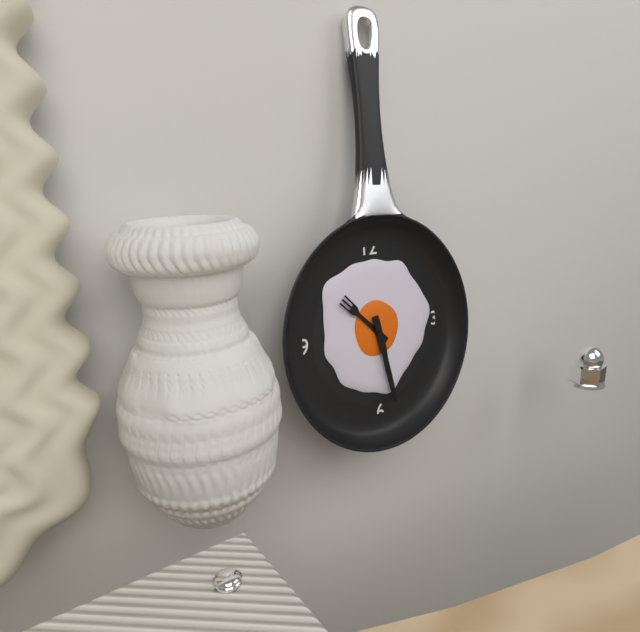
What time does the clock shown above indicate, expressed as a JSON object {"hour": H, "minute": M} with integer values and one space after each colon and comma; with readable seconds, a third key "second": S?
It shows {"hour": 10, "minute": 28}
